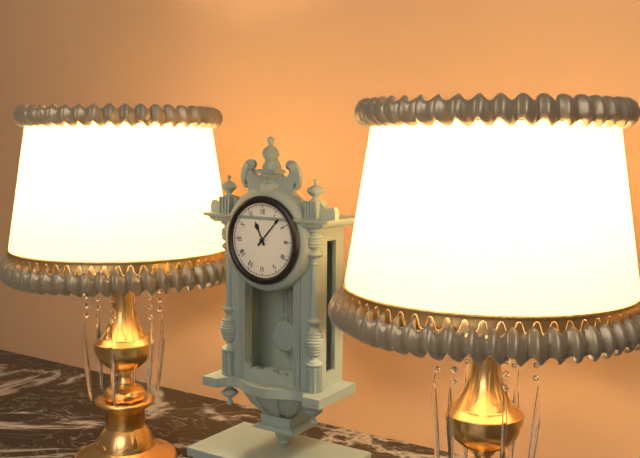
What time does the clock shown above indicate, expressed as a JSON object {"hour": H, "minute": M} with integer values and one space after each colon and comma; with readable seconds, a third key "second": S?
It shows {"hour": 11, "minute": 7}
